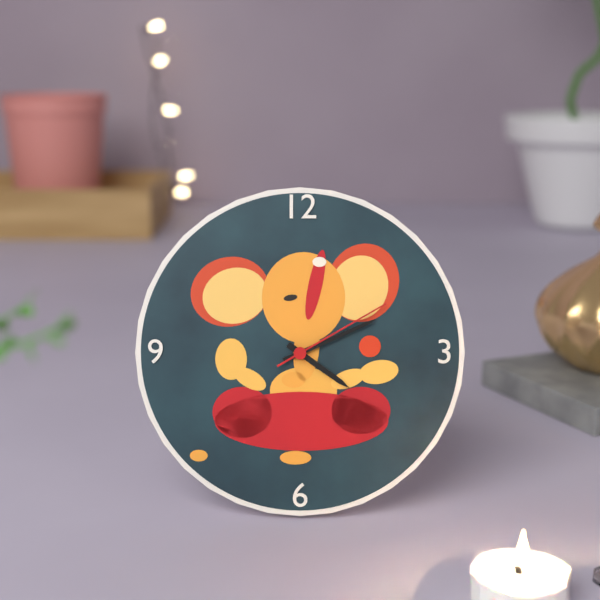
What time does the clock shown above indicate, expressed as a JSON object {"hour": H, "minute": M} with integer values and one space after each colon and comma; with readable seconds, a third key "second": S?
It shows {"hour": 4, "minute": 11, "second": 10}
